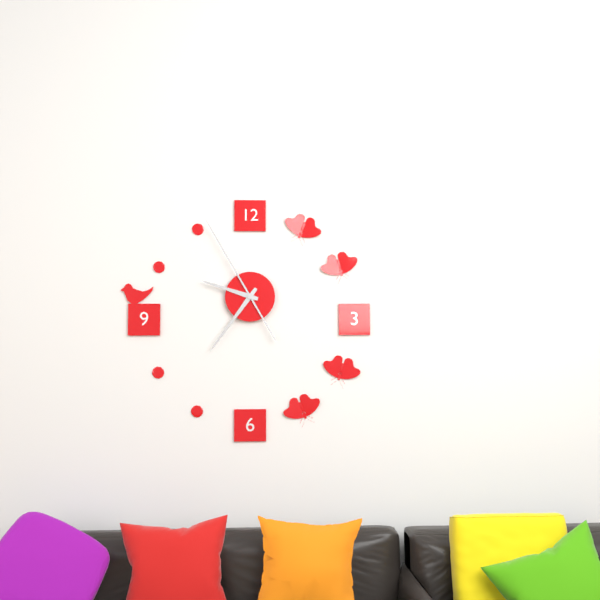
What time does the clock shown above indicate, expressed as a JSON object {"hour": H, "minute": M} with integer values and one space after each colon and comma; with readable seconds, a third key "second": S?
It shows {"hour": 9, "minute": 36, "second": 55}
